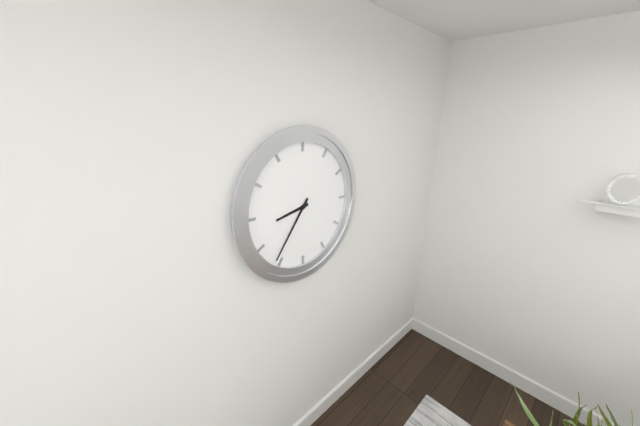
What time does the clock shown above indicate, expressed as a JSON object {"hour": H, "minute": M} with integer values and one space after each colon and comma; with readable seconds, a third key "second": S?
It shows {"hour": 8, "minute": 36}
